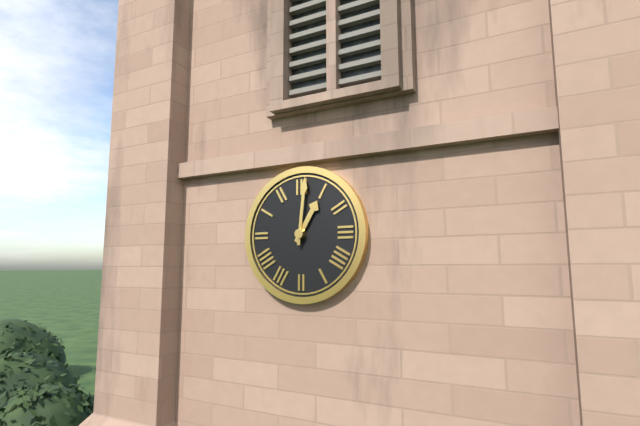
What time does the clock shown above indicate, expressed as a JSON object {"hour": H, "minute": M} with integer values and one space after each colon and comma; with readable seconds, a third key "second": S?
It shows {"hour": 1, "minute": 1}
